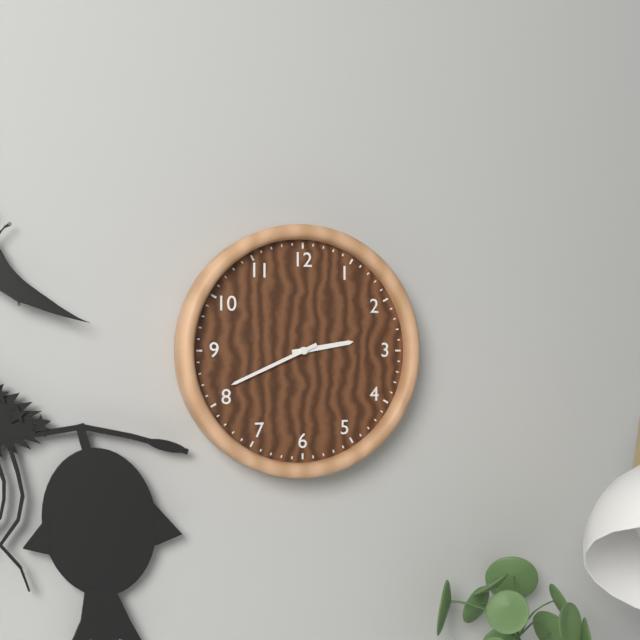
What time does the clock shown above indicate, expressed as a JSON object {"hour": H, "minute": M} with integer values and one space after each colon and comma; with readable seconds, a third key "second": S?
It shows {"hour": 2, "minute": 41}
